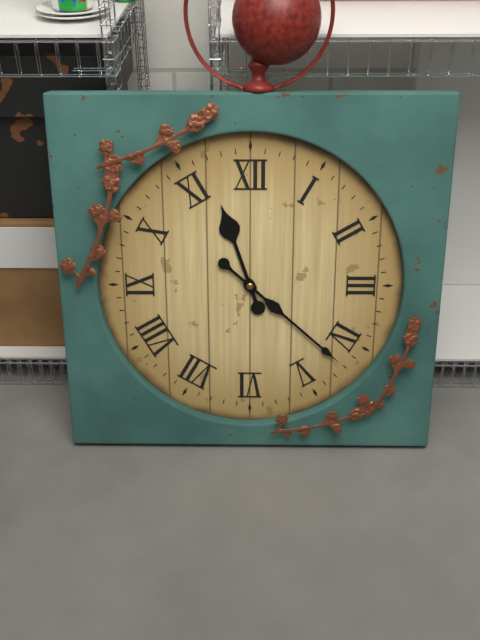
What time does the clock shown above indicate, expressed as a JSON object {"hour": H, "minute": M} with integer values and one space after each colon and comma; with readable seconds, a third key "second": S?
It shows {"hour": 11, "minute": 22}
